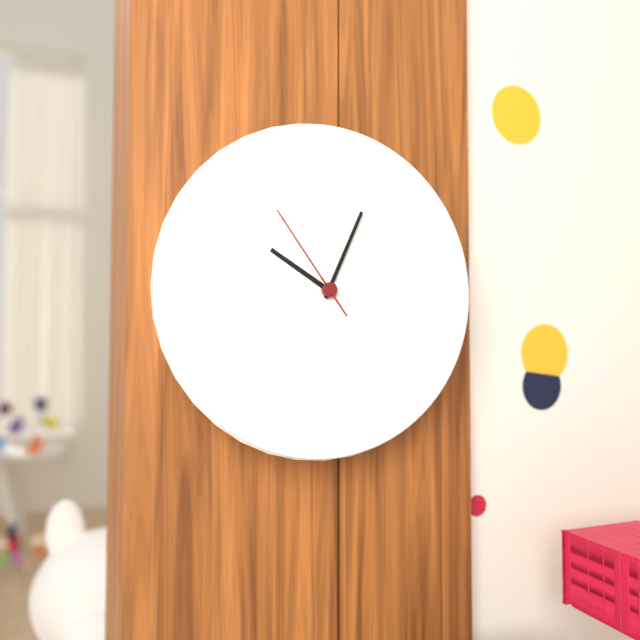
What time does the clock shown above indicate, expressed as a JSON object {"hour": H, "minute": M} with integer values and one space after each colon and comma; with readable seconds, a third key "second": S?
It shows {"hour": 10, "minute": 4, "second": 54}
